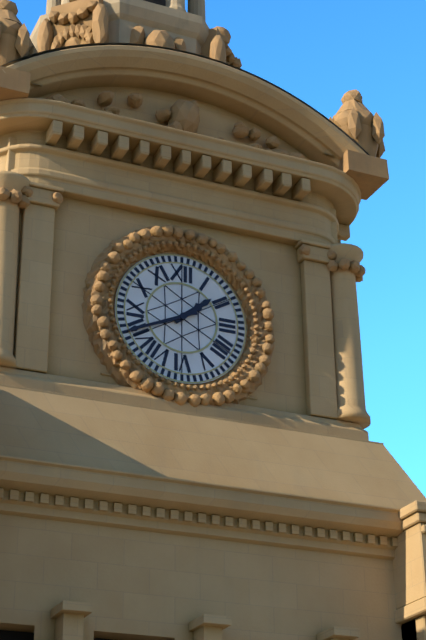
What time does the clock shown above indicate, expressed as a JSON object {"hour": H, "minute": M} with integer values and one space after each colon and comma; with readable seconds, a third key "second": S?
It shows {"hour": 1, "minute": 41}
